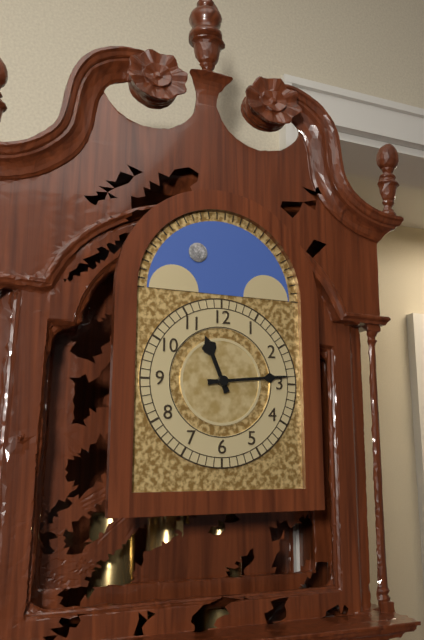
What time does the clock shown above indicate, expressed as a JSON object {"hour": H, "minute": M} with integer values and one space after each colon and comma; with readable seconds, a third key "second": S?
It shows {"hour": 11, "minute": 14}
